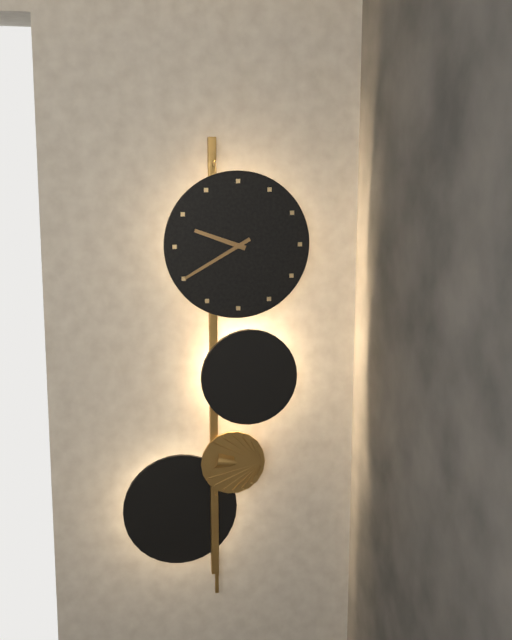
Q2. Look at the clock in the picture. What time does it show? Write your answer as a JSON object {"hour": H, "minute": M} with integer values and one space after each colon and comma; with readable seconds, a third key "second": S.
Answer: {"hour": 9, "minute": 40}
